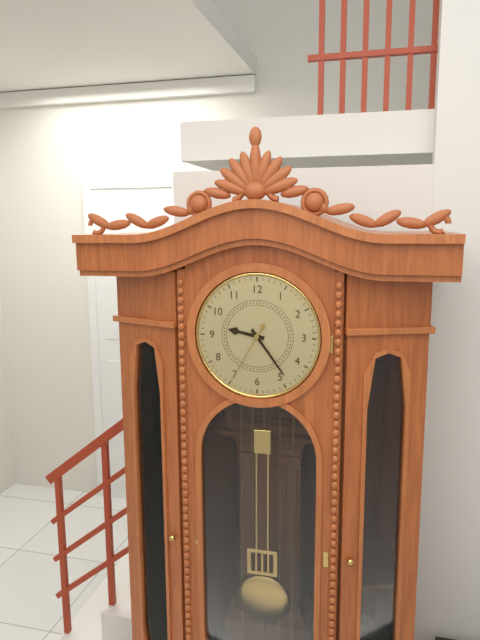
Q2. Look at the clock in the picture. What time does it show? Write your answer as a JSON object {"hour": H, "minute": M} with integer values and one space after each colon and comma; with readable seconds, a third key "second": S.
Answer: {"hour": 9, "minute": 24, "second": 35}
